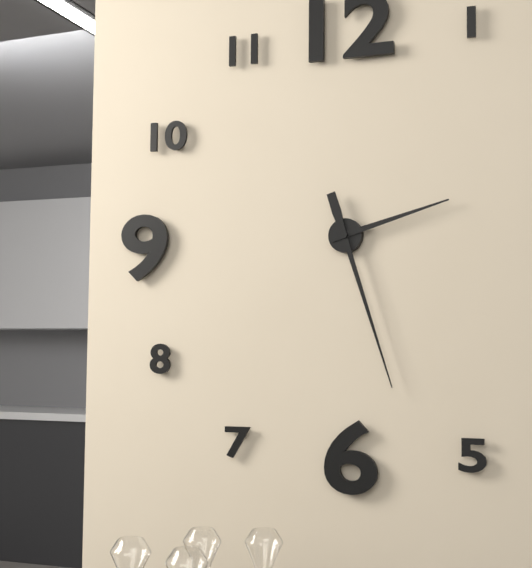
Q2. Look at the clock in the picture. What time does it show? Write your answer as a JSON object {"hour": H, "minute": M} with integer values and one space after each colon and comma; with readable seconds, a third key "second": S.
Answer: {"hour": 2, "minute": 27}
